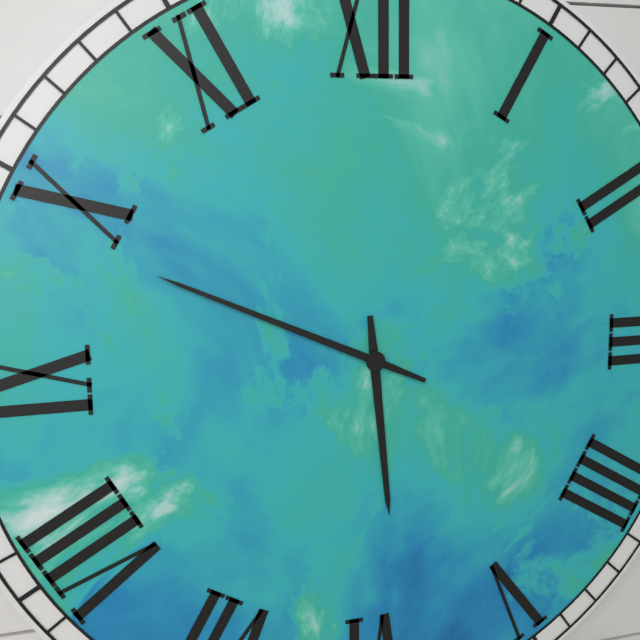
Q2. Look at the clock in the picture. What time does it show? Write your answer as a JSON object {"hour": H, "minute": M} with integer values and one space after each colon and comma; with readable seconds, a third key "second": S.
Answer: {"hour": 5, "minute": 49}
